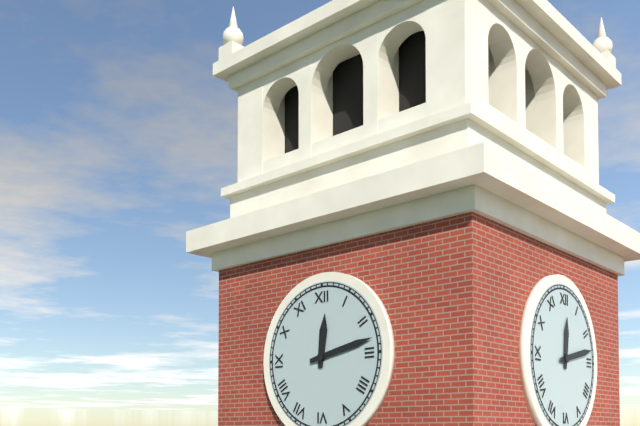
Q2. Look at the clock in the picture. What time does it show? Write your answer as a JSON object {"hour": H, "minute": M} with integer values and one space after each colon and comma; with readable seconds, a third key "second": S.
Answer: {"hour": 12, "minute": 13}
